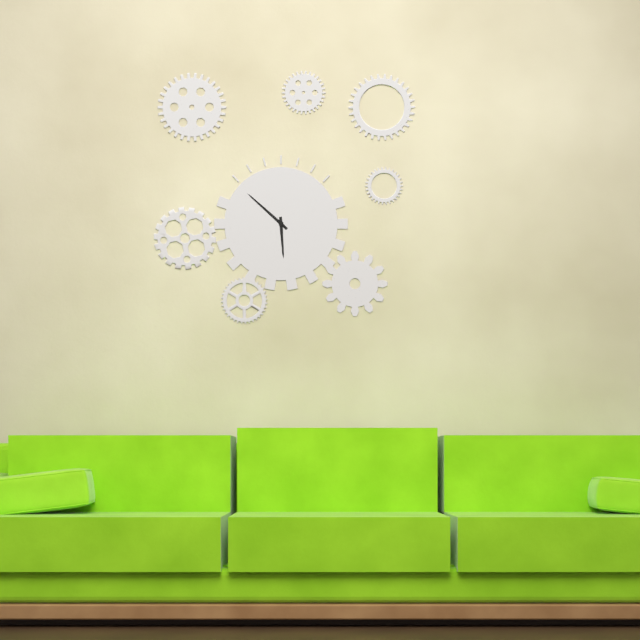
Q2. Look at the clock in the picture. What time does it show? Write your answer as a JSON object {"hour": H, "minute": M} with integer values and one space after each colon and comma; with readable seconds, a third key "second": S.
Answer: {"hour": 5, "minute": 52}
